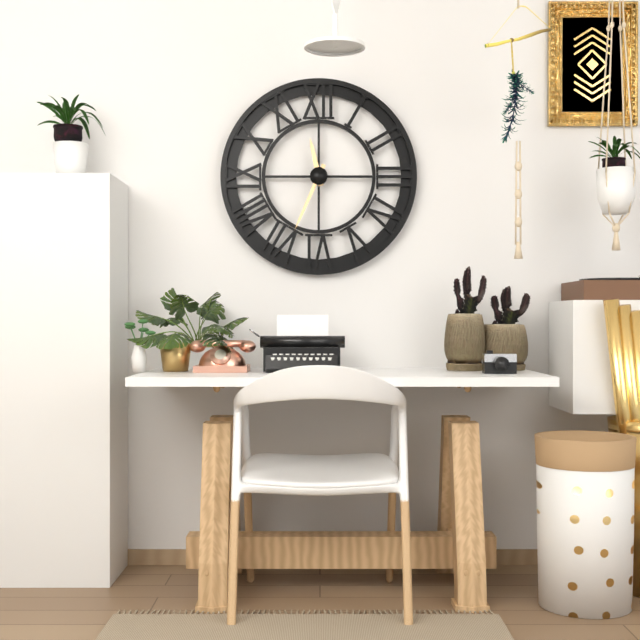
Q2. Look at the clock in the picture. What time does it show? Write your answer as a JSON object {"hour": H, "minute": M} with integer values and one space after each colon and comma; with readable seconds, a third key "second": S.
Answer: {"hour": 11, "minute": 34}
